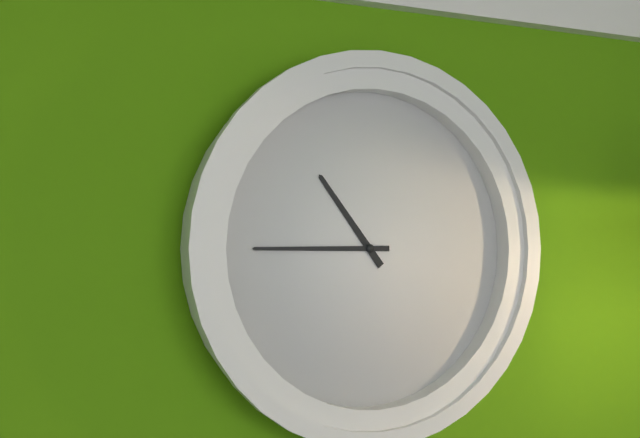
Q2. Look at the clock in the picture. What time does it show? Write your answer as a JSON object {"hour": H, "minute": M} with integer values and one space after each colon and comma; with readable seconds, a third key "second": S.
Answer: {"hour": 10, "minute": 45}
